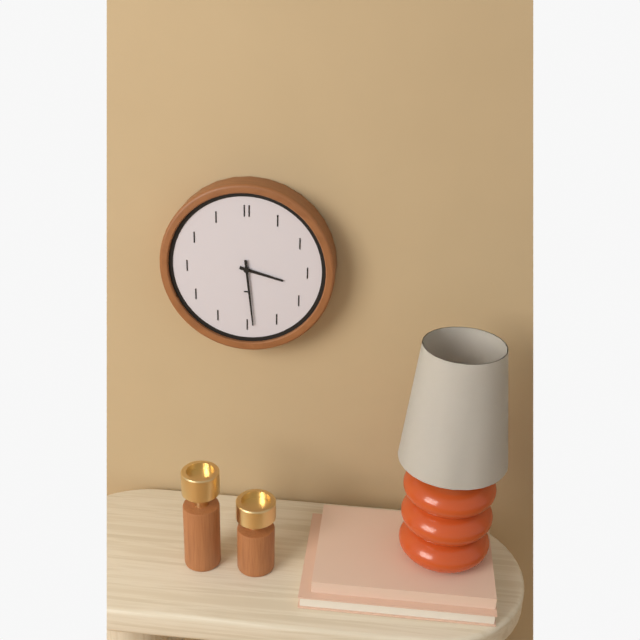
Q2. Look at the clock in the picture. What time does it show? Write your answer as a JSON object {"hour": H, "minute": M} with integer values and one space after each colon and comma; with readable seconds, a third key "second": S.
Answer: {"hour": 3, "minute": 29}
